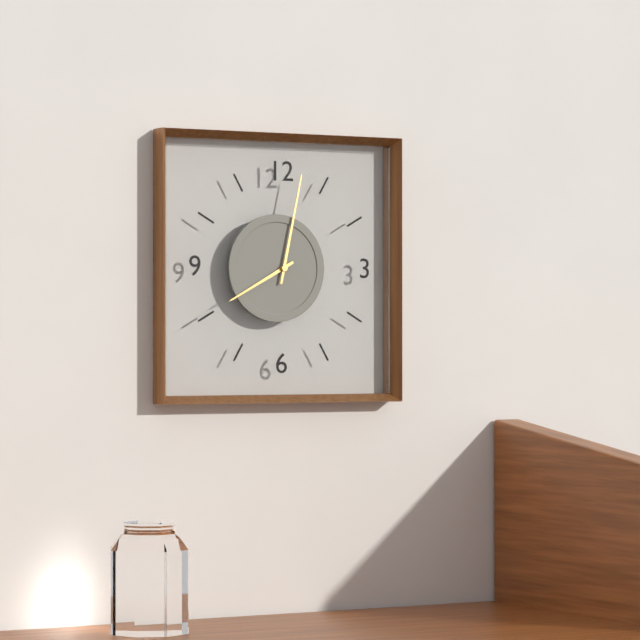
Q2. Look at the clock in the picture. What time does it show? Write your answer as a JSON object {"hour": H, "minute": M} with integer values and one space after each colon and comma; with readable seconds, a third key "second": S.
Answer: {"hour": 8, "minute": 2}
